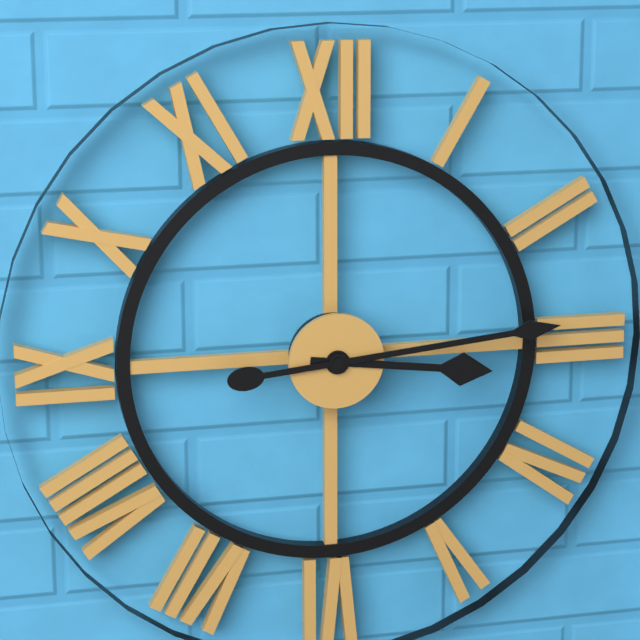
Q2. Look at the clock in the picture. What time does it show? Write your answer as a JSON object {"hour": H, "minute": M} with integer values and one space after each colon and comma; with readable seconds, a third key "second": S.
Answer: {"hour": 3, "minute": 14}
